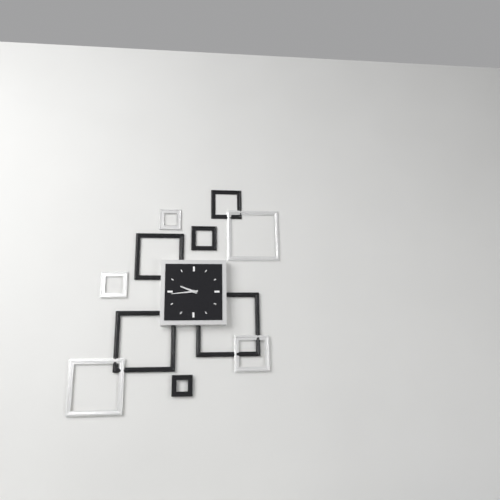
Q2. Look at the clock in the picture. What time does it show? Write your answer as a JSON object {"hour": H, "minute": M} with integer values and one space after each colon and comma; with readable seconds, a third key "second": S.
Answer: {"hour": 9, "minute": 44}
